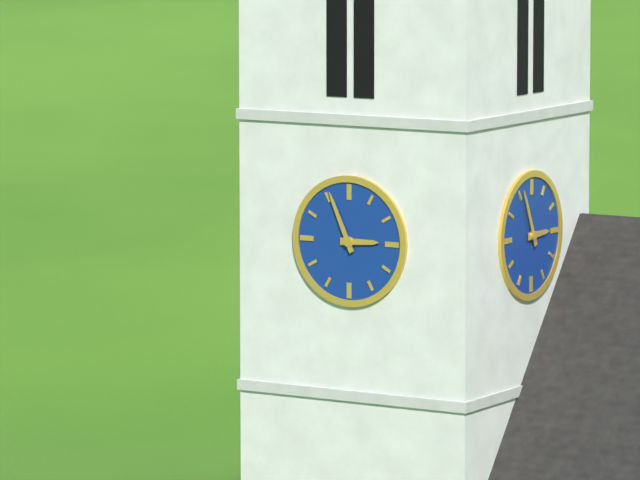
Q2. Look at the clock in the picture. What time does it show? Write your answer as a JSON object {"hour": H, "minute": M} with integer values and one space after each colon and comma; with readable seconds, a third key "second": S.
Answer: {"hour": 2, "minute": 56}
